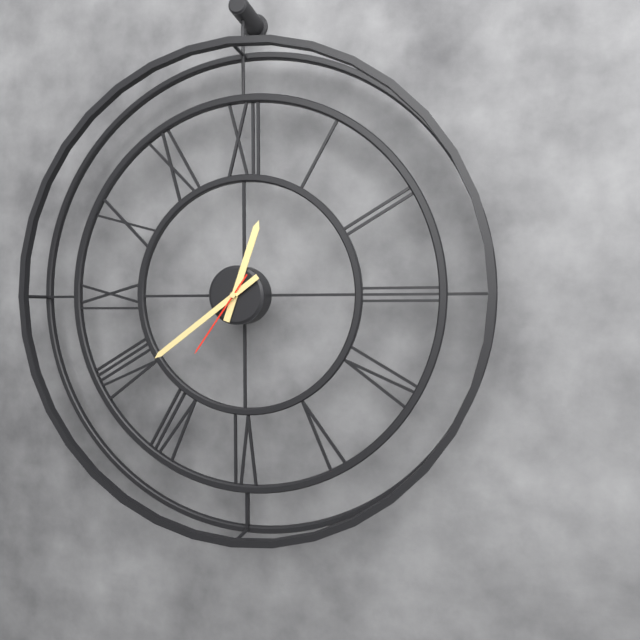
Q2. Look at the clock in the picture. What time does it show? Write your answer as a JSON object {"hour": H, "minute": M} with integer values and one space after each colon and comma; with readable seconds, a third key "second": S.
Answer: {"hour": 12, "minute": 39, "second": 36}
